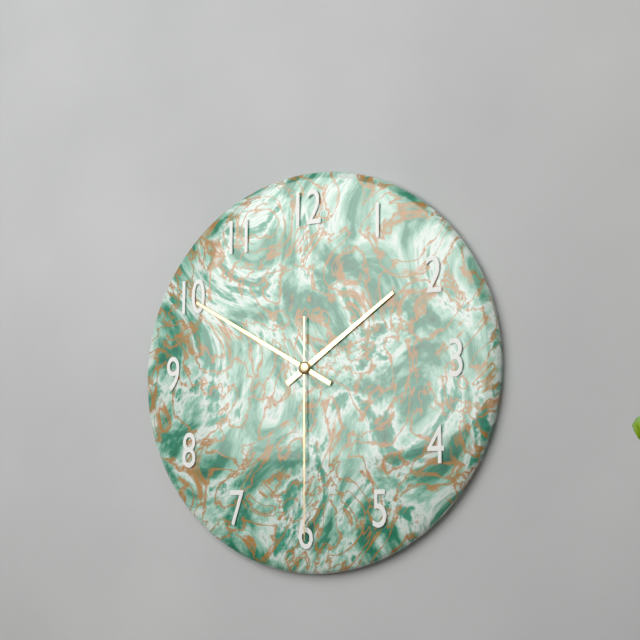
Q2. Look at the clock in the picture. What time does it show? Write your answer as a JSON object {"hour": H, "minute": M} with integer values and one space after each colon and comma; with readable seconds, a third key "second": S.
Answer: {"hour": 1, "minute": 50, "second": 30}
